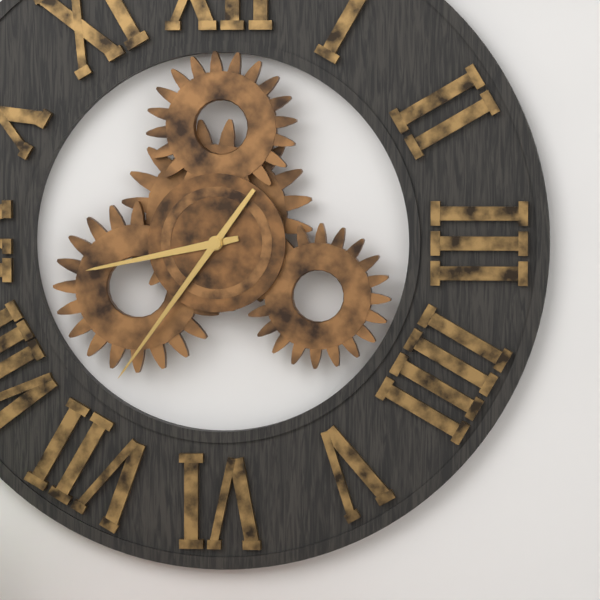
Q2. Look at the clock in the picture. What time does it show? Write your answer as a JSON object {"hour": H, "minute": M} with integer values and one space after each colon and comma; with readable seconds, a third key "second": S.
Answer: {"hour": 8, "minute": 36}
